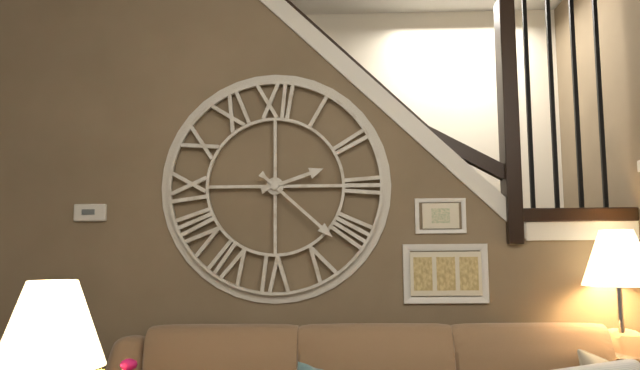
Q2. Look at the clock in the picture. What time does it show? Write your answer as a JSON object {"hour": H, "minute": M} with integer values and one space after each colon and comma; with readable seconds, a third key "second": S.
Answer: {"hour": 2, "minute": 22}
